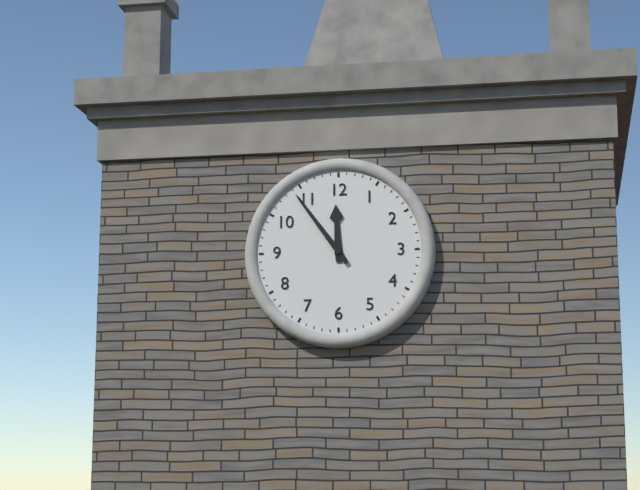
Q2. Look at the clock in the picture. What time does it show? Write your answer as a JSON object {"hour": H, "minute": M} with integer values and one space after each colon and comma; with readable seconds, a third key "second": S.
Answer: {"hour": 11, "minute": 54}
